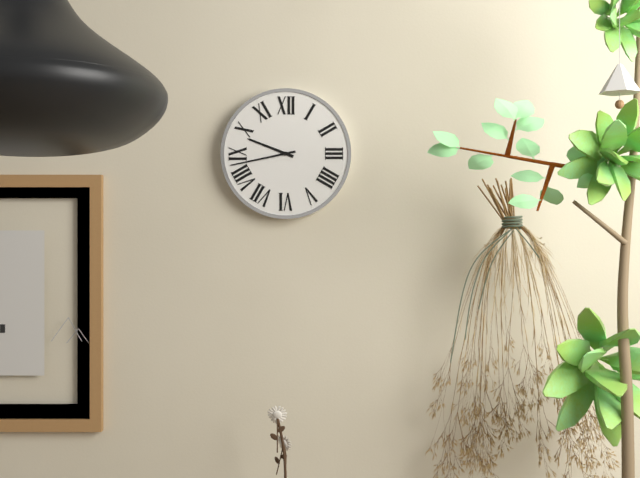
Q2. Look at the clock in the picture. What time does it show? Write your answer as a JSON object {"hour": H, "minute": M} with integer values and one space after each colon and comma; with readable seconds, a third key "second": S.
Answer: {"hour": 9, "minute": 43}
